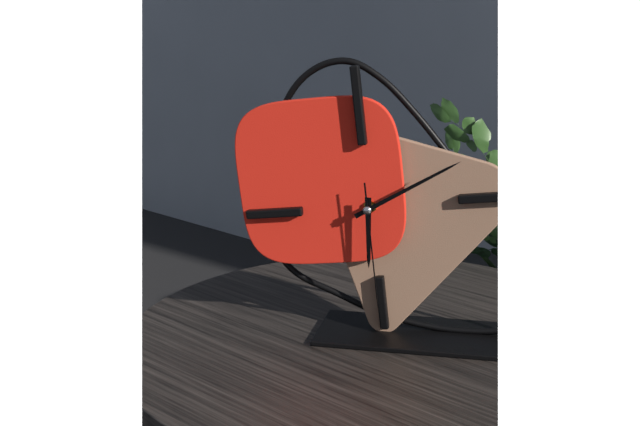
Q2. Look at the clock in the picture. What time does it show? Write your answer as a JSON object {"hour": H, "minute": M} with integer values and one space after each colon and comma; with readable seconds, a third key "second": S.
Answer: {"hour": 6, "minute": 11, "second": 30}
